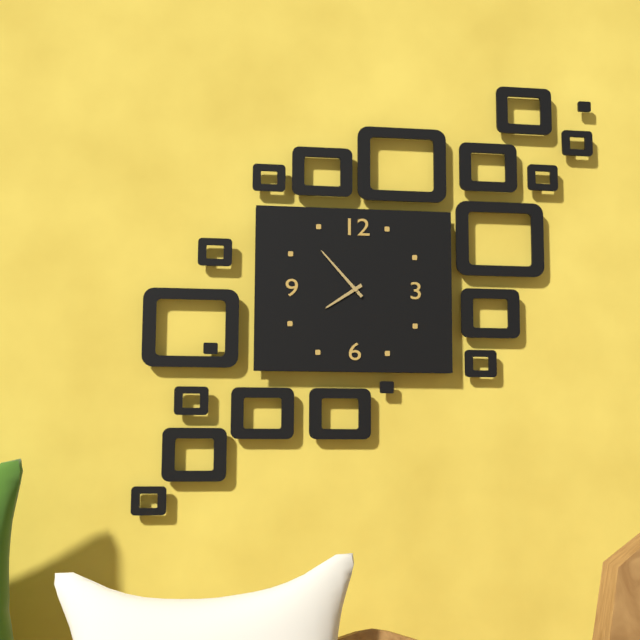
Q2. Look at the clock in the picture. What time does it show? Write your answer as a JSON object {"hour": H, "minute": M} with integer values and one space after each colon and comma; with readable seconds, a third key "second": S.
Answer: {"hour": 7, "minute": 53}
